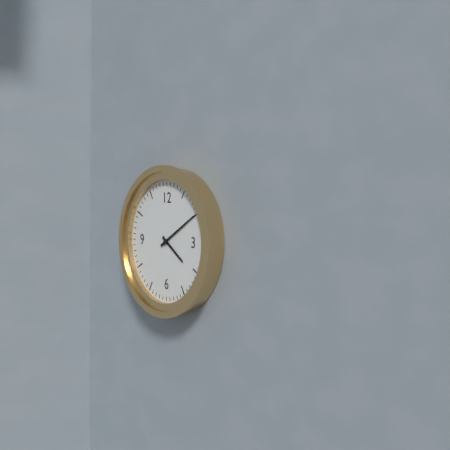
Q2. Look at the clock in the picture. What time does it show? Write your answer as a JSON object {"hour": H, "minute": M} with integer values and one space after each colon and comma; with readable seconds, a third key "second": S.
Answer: {"hour": 4, "minute": 10}
